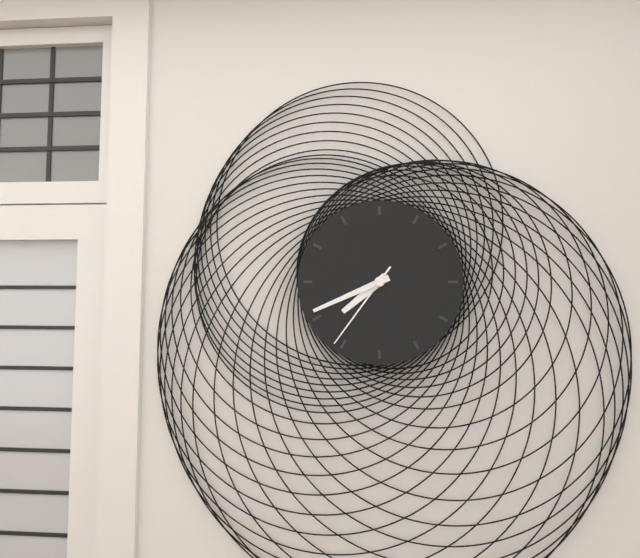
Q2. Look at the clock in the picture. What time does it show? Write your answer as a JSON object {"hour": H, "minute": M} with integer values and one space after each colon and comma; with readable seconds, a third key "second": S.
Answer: {"hour": 7, "minute": 41, "second": 36}
